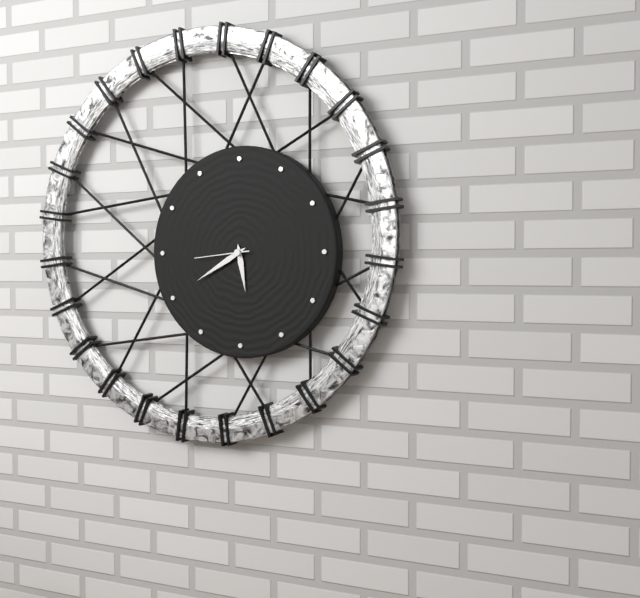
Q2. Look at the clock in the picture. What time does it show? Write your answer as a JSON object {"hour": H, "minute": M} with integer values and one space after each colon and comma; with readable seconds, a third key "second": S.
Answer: {"hour": 5, "minute": 40, "second": 44}
